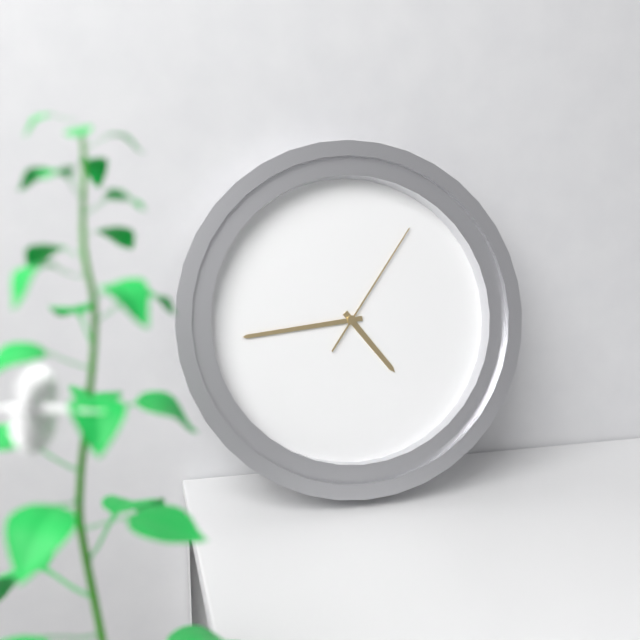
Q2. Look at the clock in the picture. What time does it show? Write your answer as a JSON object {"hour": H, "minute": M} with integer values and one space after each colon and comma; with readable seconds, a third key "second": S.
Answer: {"hour": 4, "minute": 44, "second": 6}
